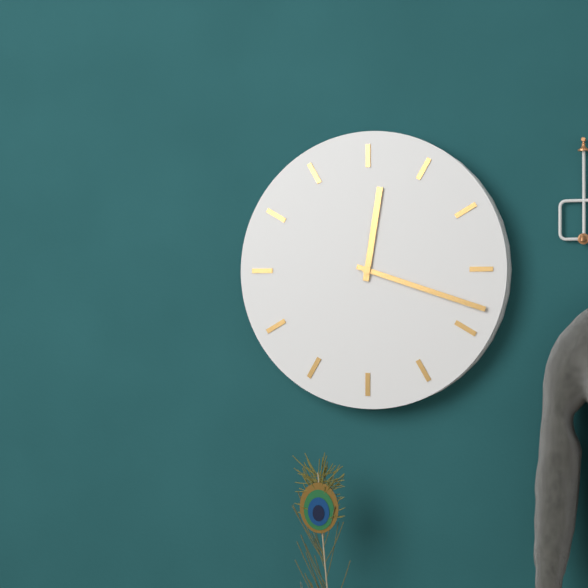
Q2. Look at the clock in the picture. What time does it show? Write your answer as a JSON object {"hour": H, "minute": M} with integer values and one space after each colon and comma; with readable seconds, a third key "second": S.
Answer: {"hour": 12, "minute": 18}
